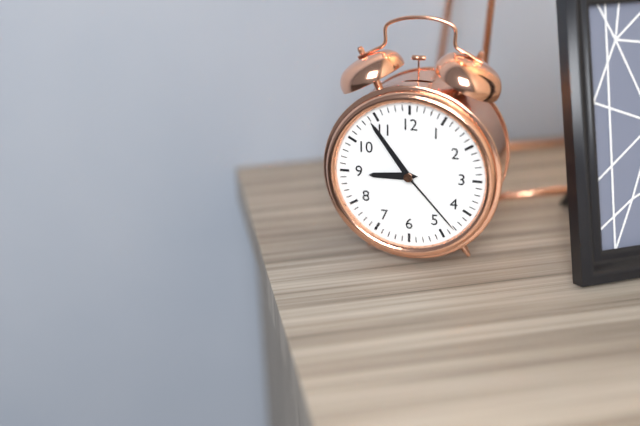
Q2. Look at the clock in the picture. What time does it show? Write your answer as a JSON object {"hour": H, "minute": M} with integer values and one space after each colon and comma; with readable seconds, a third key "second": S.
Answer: {"hour": 8, "minute": 54, "second": 23}
